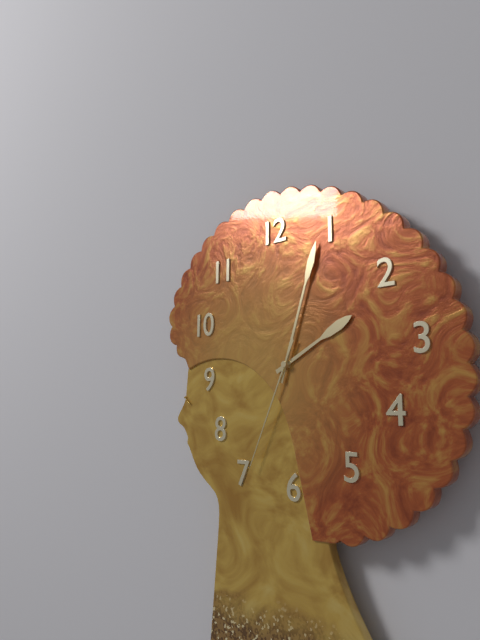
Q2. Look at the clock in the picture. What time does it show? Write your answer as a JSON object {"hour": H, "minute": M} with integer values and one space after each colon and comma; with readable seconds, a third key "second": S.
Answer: {"hour": 2, "minute": 3, "second": 34}
